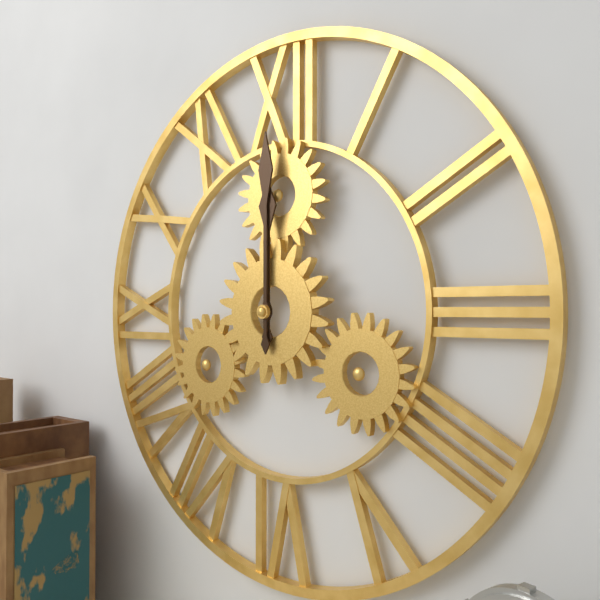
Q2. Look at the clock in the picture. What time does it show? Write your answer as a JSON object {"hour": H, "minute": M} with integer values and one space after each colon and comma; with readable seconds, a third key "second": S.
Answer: {"hour": 12, "minute": 0}
